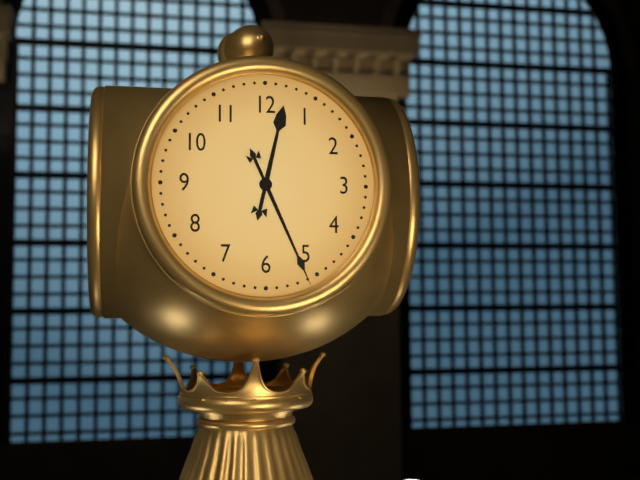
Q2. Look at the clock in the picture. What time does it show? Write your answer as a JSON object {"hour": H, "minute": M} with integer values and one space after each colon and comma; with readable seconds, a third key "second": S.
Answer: {"hour": 12, "minute": 26}
